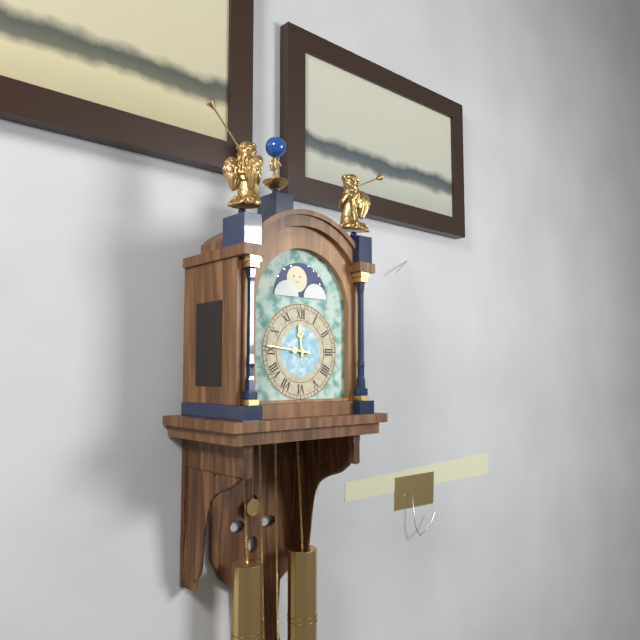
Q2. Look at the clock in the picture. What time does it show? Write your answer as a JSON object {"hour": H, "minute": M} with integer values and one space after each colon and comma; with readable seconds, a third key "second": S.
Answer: {"hour": 11, "minute": 46}
